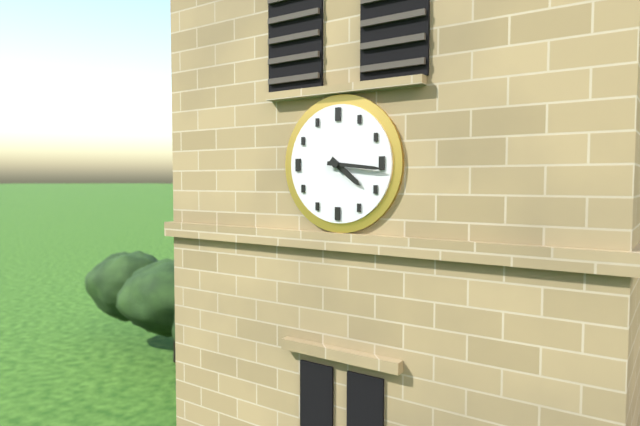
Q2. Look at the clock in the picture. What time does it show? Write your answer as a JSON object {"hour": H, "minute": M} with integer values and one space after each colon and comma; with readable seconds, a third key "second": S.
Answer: {"hour": 4, "minute": 16}
